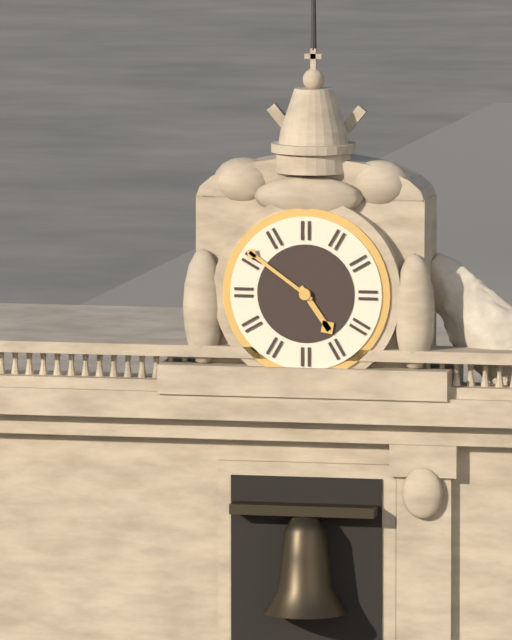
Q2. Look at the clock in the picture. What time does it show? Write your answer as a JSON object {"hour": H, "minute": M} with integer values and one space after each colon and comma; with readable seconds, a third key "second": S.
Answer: {"hour": 4, "minute": 51}
